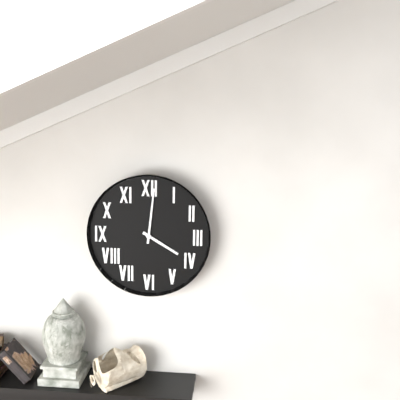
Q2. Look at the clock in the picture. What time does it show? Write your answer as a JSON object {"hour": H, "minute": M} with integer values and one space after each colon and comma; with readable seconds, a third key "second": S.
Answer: {"hour": 4, "minute": 1}
